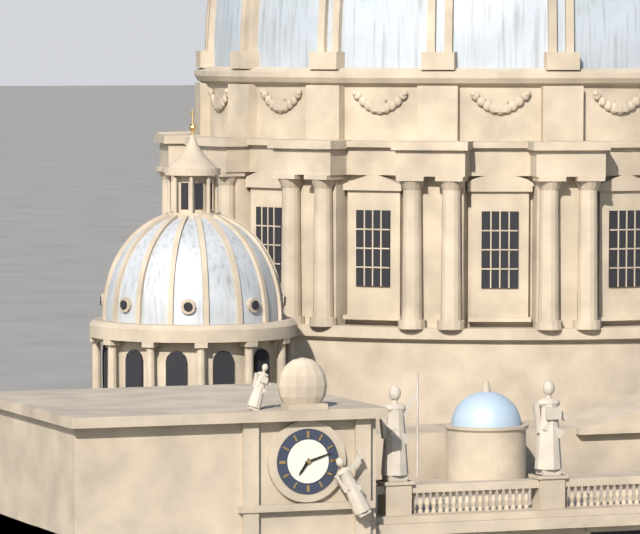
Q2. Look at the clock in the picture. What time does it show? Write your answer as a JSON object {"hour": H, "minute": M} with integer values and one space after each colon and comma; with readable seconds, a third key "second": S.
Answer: {"hour": 7, "minute": 12}
